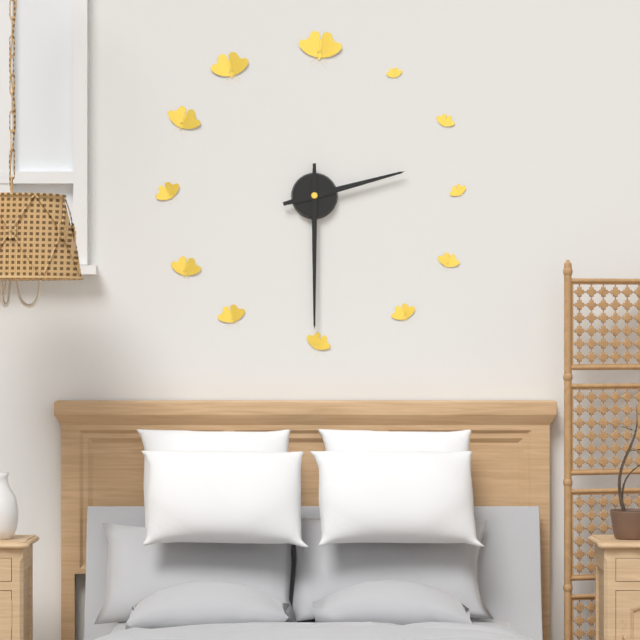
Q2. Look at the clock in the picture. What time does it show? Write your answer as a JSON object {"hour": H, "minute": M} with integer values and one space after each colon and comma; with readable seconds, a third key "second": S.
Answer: {"hour": 2, "minute": 30}
